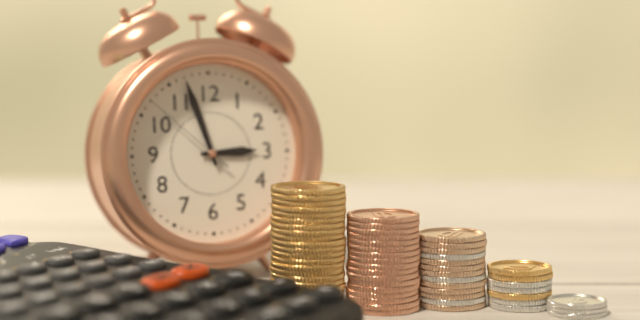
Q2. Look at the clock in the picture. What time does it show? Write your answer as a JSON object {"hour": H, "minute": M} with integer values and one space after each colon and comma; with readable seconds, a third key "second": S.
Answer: {"hour": 2, "minute": 57, "second": 52}
